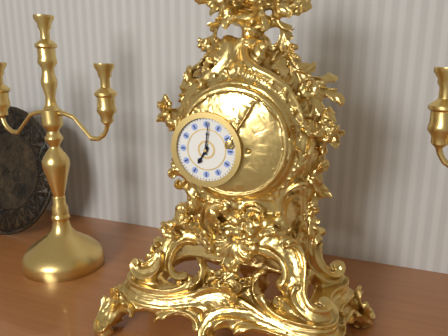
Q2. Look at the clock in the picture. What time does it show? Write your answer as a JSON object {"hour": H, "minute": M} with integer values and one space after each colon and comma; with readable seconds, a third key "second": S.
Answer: {"hour": 7, "minute": 1}
